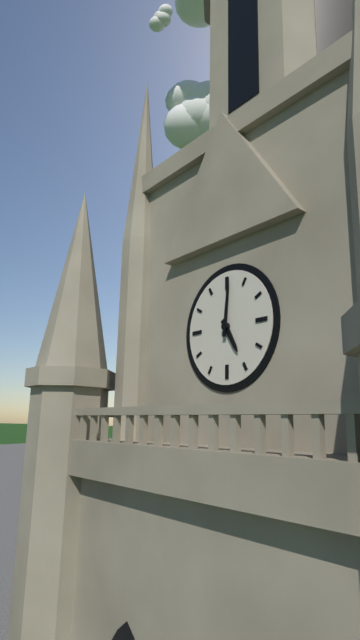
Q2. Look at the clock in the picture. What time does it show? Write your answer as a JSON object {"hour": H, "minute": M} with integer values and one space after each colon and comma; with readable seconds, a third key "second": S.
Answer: {"hour": 5, "minute": 1}
